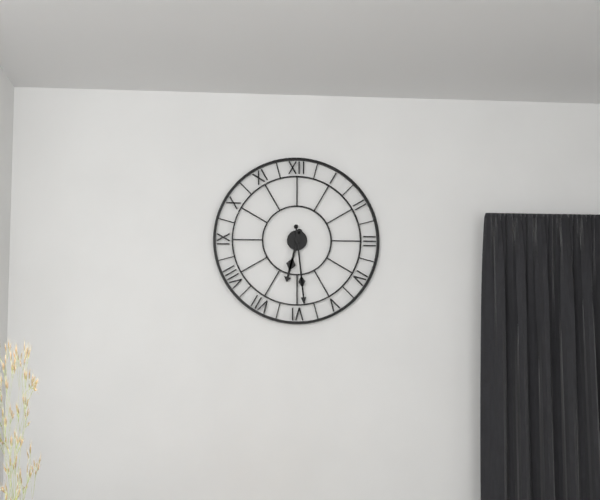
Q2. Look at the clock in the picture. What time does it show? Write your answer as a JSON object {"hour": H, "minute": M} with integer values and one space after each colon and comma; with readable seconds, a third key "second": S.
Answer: {"hour": 6, "minute": 29}
